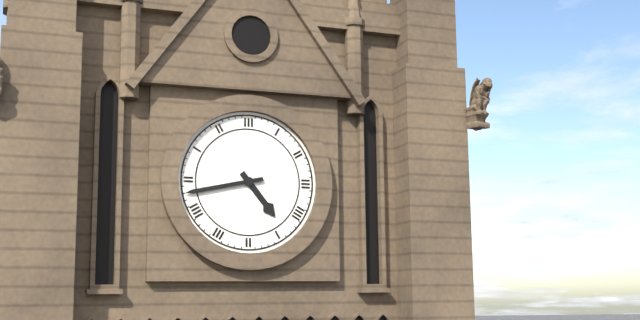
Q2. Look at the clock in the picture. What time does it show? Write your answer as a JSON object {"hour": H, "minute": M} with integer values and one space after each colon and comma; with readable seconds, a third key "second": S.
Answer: {"hour": 4, "minute": 43}
